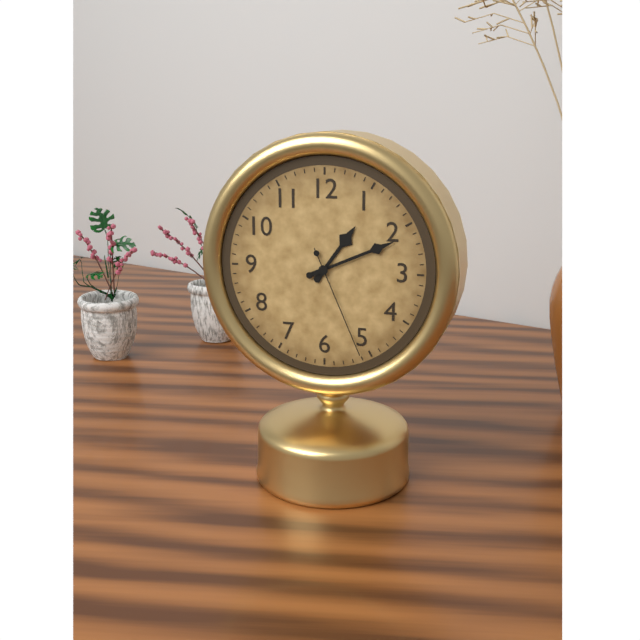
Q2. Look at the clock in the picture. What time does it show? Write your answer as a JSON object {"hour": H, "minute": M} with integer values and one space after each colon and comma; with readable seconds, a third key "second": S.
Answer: {"hour": 1, "minute": 11, "second": 26}
